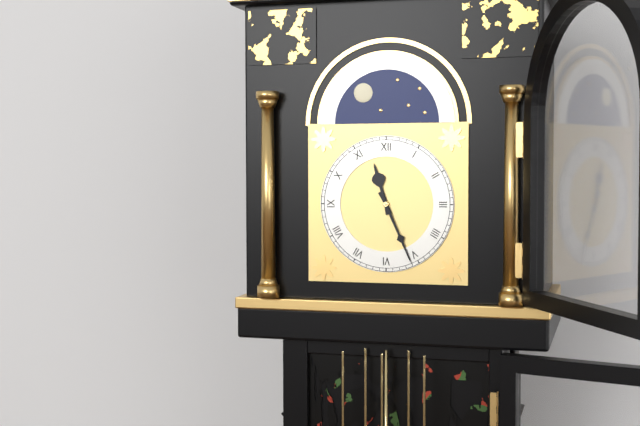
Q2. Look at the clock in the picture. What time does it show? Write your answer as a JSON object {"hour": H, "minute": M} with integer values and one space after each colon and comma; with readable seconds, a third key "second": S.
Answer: {"hour": 11, "minute": 26}
